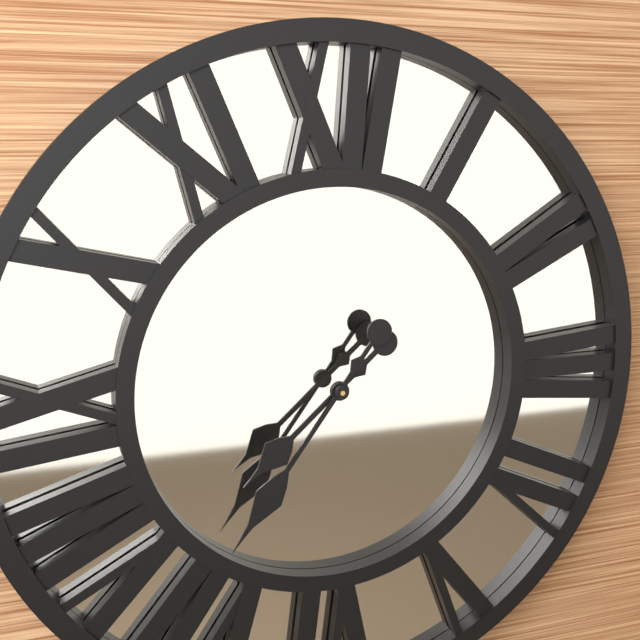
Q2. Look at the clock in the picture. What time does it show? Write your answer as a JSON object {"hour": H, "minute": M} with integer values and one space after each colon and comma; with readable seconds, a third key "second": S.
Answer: {"hour": 7, "minute": 36}
